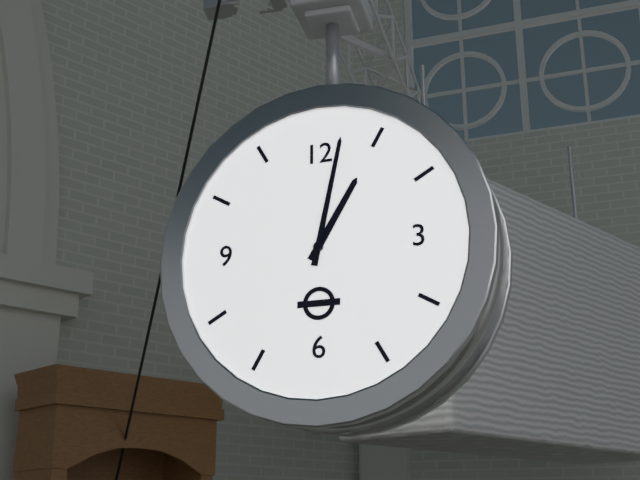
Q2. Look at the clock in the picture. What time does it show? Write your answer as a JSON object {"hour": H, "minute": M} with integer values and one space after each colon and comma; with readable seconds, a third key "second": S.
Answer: {"hour": 1, "minute": 2}
